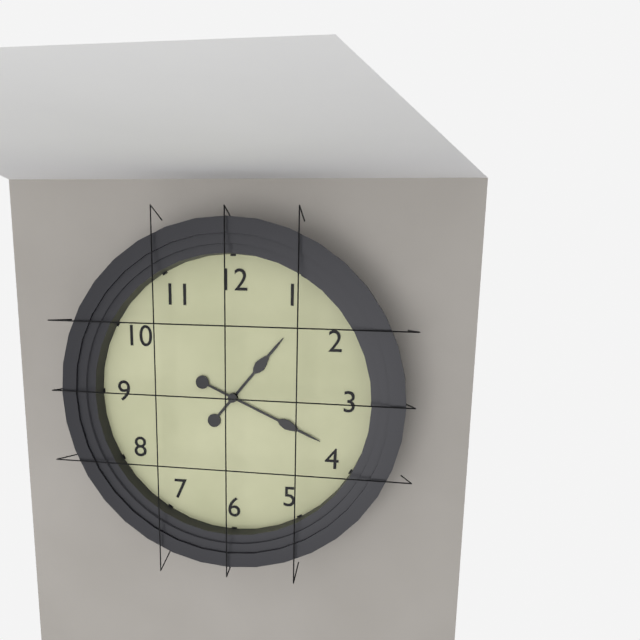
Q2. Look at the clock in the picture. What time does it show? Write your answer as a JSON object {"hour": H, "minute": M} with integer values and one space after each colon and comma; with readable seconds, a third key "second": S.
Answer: {"hour": 1, "minute": 19}
